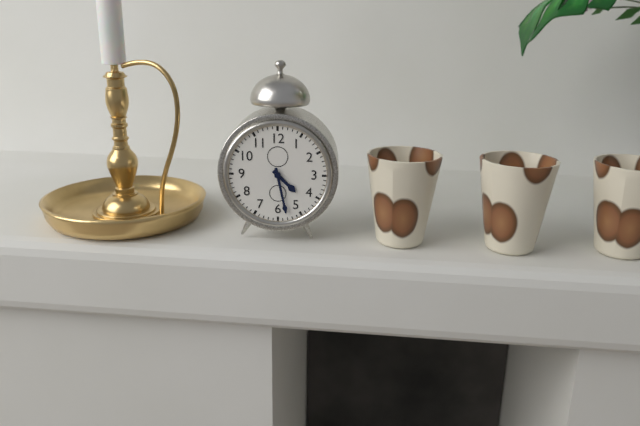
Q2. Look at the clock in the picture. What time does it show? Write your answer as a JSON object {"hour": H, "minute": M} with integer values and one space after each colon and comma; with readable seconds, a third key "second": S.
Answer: {"hour": 4, "minute": 28}
